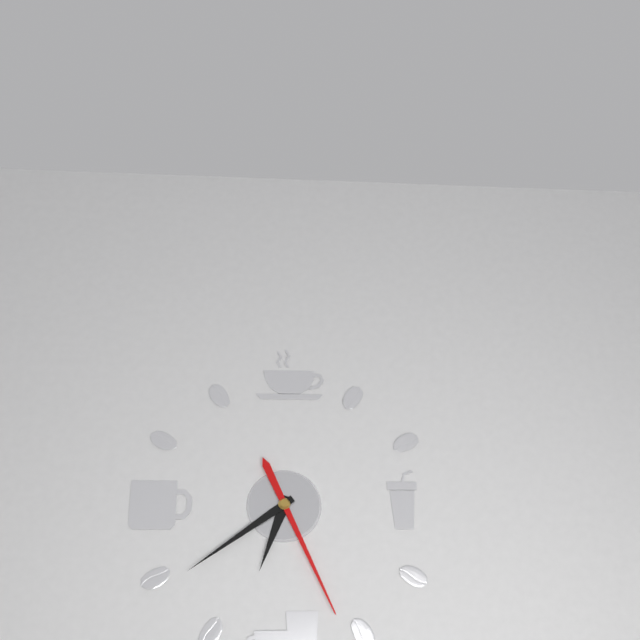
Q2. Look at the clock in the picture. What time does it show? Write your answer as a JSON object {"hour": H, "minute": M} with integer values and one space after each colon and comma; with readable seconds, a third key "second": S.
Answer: {"hour": 6, "minute": 39, "second": 26}
